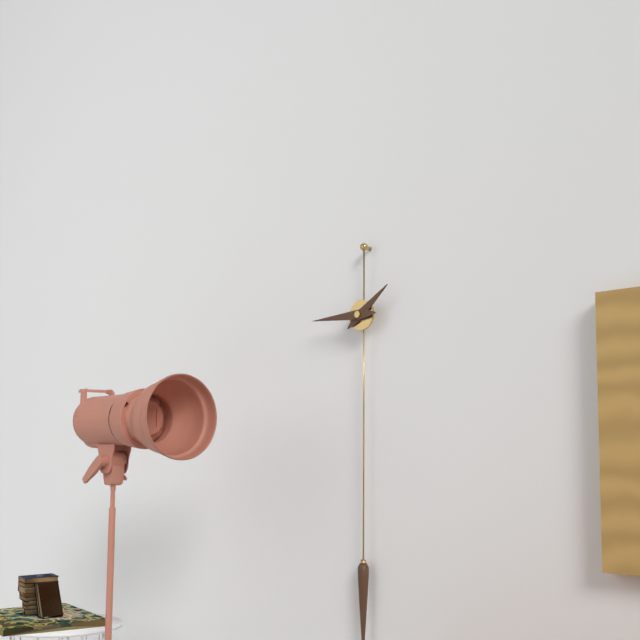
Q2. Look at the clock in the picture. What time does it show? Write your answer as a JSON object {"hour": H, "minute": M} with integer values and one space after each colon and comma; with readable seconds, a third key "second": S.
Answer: {"hour": 1, "minute": 45}
